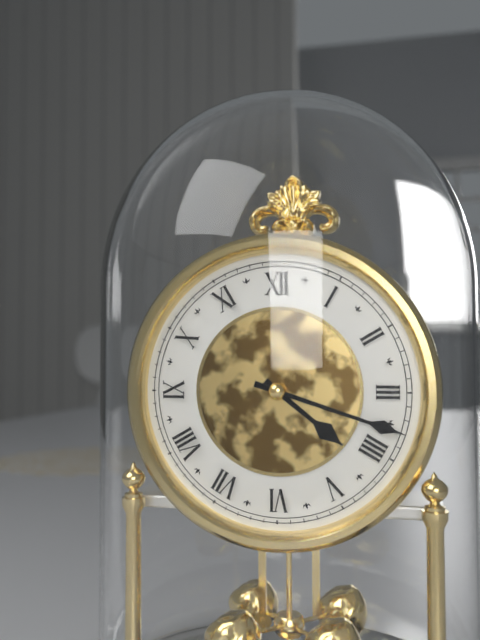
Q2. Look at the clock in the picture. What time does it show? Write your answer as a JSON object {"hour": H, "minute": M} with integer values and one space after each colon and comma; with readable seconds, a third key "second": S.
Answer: {"hour": 4, "minute": 18}
